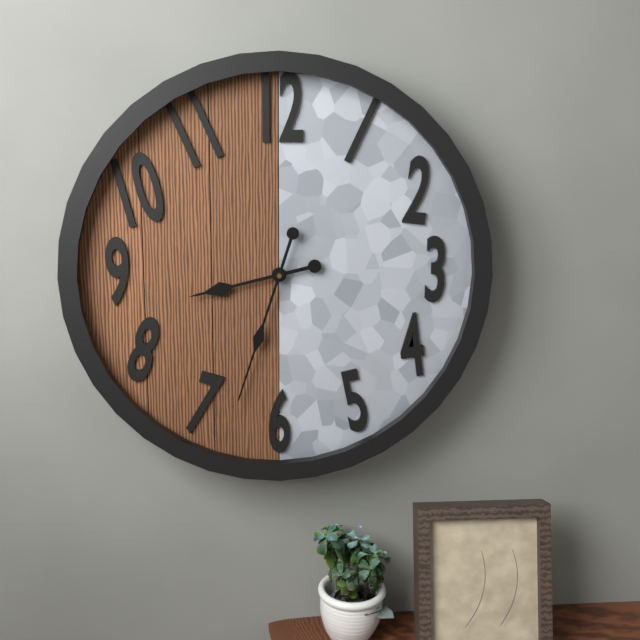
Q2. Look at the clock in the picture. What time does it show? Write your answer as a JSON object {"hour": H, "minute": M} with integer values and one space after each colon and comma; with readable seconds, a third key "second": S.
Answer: {"hour": 8, "minute": 33}
